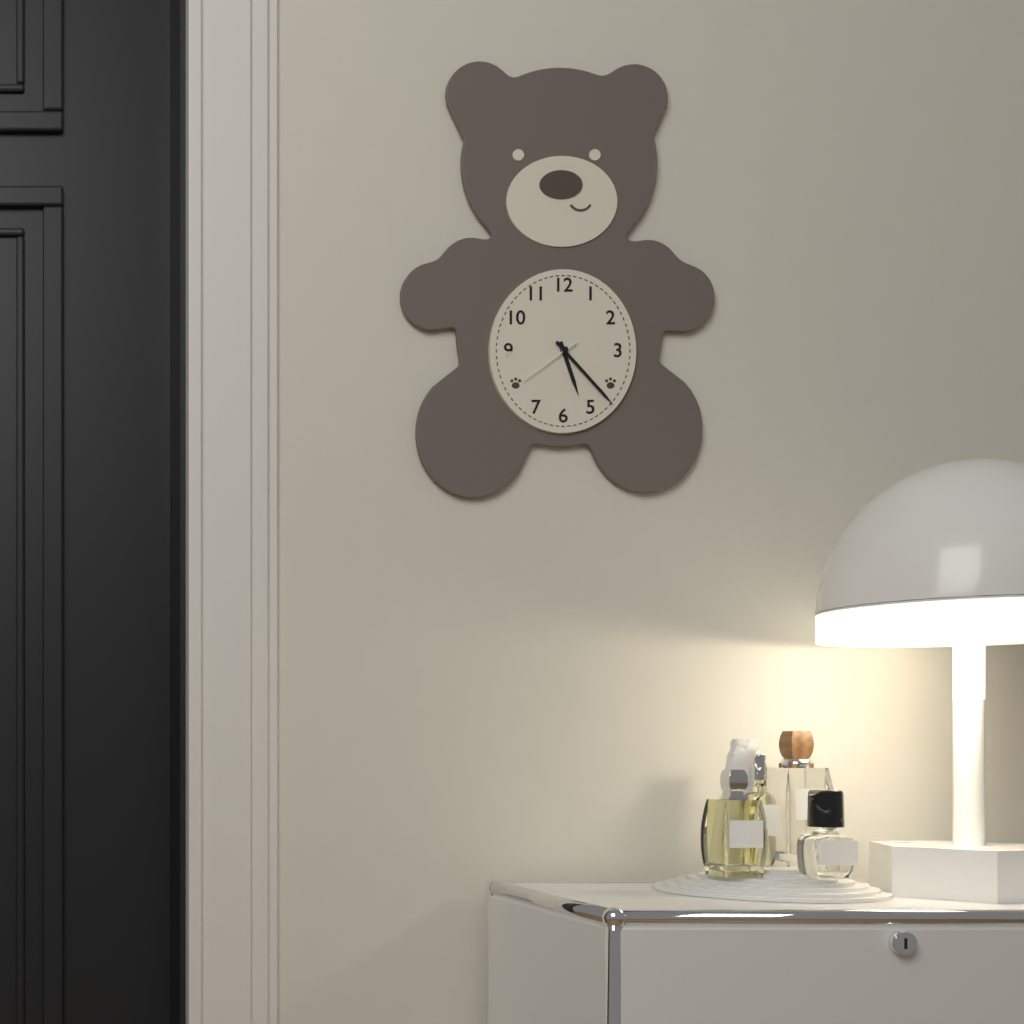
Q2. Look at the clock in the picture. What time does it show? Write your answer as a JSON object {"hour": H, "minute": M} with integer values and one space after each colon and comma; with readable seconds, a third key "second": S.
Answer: {"hour": 5, "minute": 23, "second": 39}
